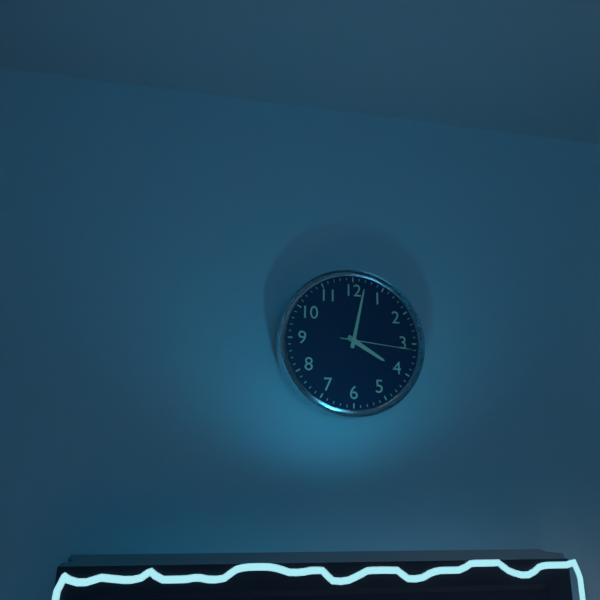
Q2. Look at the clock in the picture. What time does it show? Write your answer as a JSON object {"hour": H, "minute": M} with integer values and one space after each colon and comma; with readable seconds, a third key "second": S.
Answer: {"hour": 4, "minute": 2, "second": 16}
